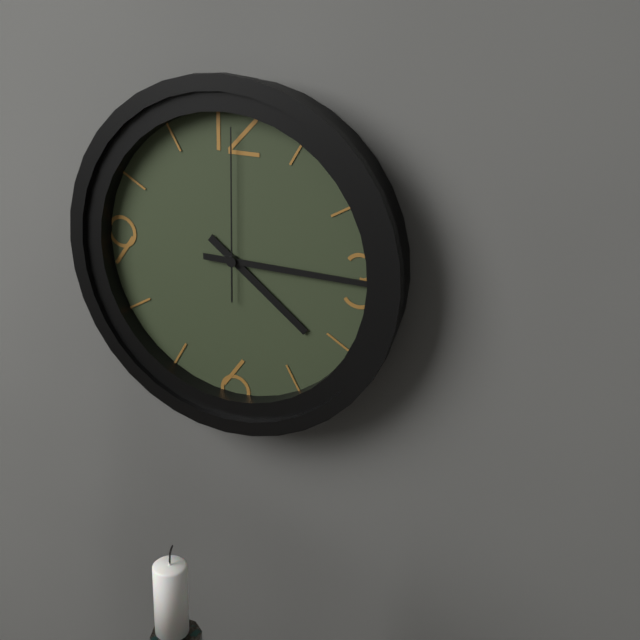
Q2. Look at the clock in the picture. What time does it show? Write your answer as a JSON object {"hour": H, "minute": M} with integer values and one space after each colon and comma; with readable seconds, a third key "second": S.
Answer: {"hour": 4, "minute": 15, "second": 0}
